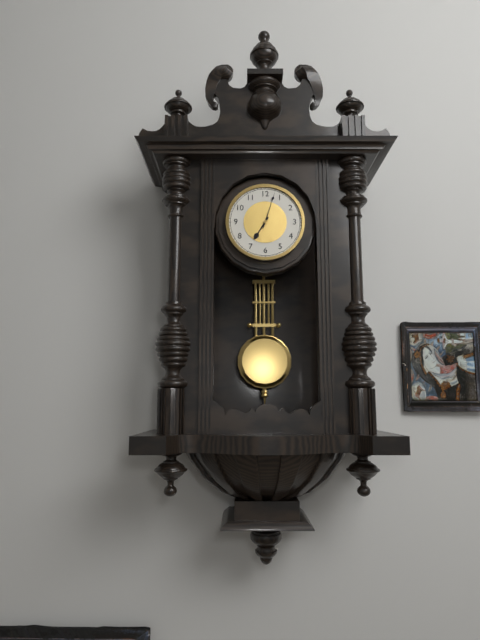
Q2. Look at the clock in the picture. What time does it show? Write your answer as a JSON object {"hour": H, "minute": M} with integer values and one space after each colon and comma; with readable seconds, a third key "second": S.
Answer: {"hour": 7, "minute": 3}
